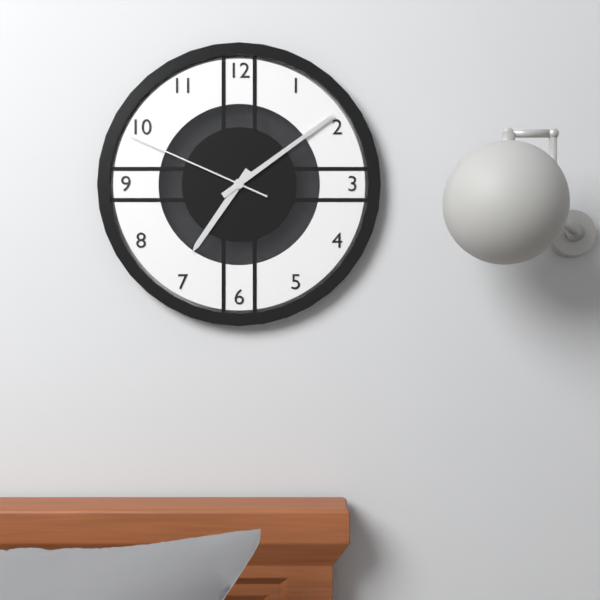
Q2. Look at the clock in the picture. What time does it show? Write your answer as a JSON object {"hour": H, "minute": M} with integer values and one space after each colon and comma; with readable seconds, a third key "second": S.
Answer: {"hour": 7, "minute": 9, "second": 49}
